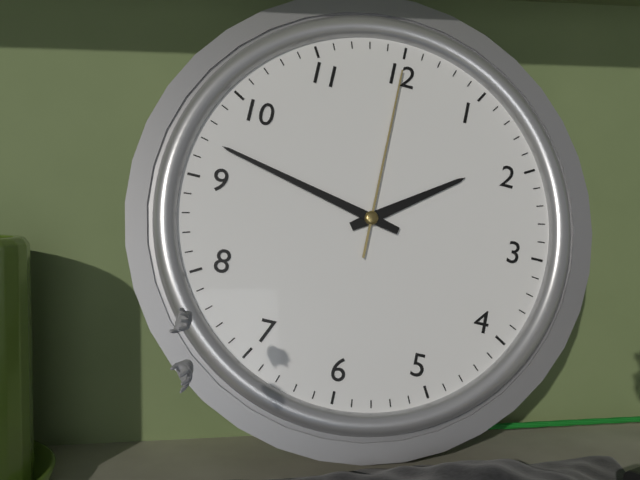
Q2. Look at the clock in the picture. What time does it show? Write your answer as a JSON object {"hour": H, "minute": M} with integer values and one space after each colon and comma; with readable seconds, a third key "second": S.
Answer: {"hour": 1, "minute": 47, "second": 0}
